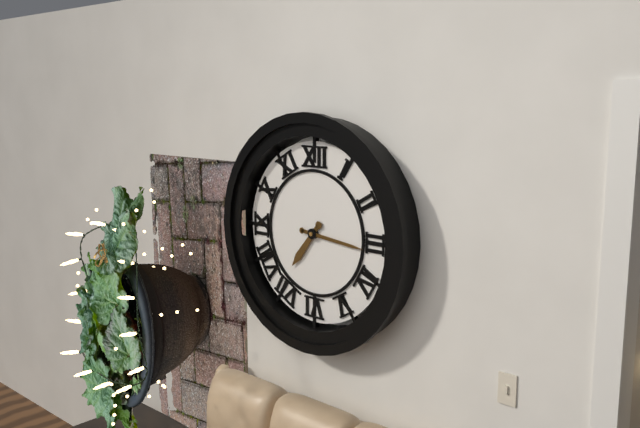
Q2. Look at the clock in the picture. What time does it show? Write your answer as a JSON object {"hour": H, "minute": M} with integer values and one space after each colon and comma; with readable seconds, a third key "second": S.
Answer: {"hour": 7, "minute": 16}
